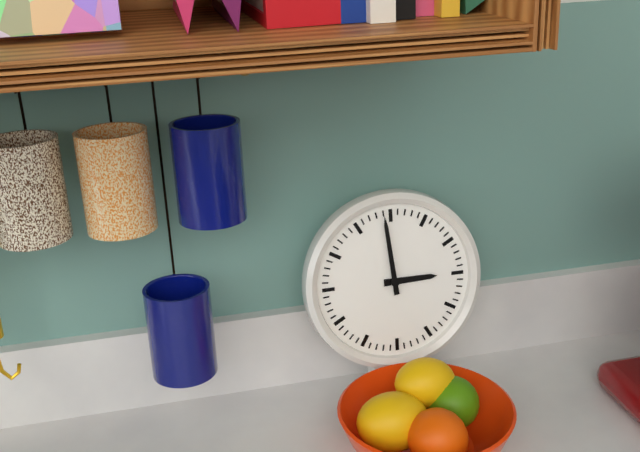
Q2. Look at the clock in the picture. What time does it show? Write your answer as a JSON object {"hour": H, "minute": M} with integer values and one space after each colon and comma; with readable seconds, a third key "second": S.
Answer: {"hour": 2, "minute": 59}
